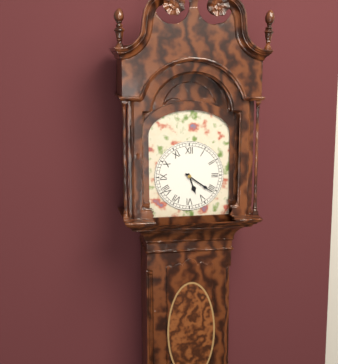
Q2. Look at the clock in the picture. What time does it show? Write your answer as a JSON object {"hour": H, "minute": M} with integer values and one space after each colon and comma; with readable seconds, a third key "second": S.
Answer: {"hour": 5, "minute": 21}
